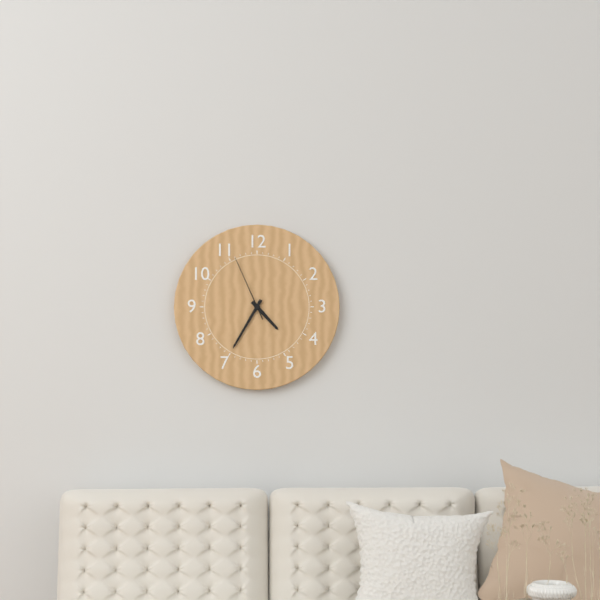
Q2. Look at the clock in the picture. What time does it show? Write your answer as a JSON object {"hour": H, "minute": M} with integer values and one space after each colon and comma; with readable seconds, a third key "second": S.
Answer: {"hour": 4, "minute": 35, "second": 56}
